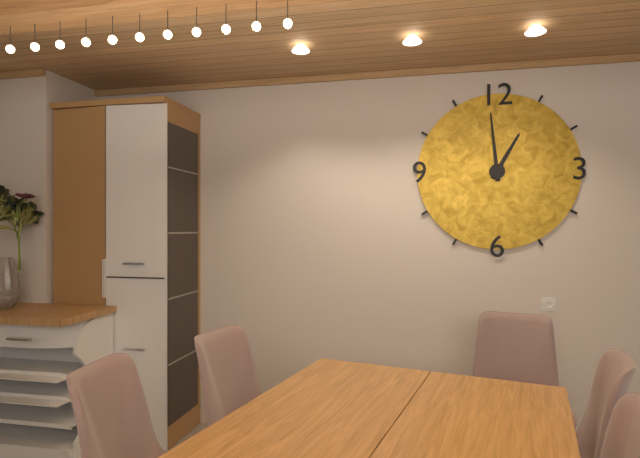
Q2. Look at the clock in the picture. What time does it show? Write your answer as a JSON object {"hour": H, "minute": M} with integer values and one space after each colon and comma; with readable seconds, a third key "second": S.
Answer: {"hour": 12, "minute": 59}
